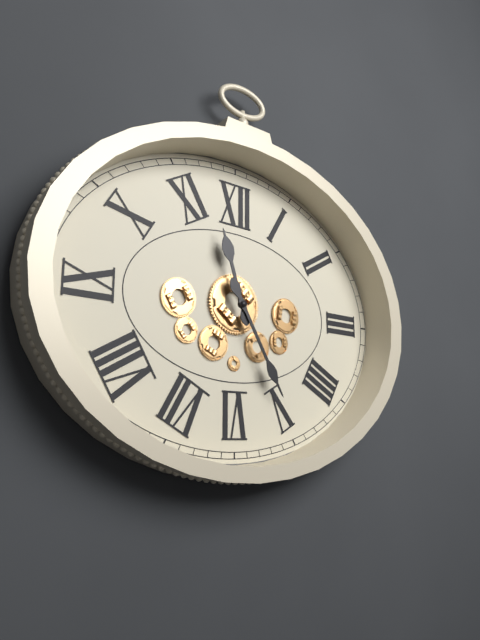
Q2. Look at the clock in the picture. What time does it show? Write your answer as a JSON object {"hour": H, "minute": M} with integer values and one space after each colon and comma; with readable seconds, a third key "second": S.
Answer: {"hour": 11, "minute": 25}
